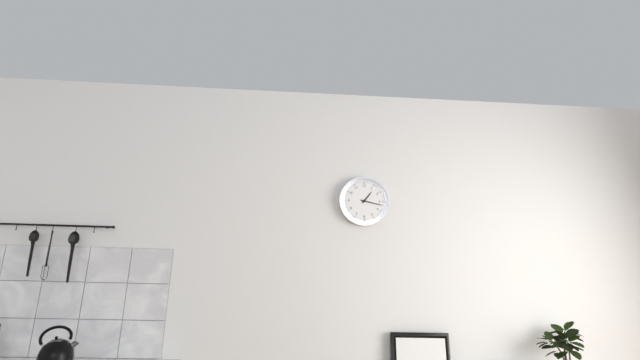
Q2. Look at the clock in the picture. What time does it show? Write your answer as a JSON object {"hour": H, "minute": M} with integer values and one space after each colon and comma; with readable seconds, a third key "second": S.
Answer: {"hour": 1, "minute": 17}
